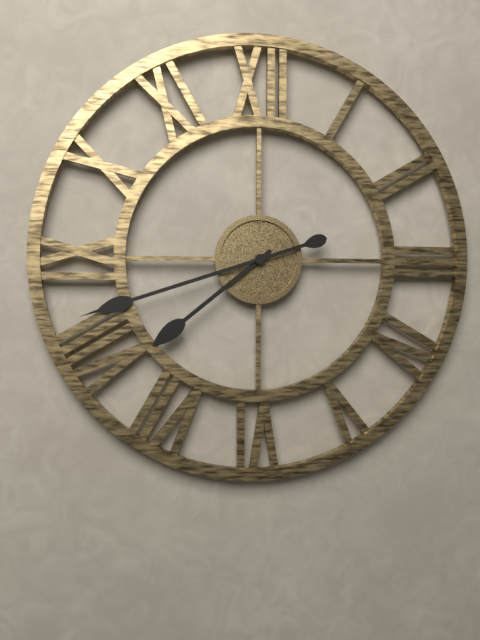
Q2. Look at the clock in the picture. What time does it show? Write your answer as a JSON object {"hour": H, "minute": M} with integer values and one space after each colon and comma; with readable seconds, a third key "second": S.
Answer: {"hour": 7, "minute": 42}
